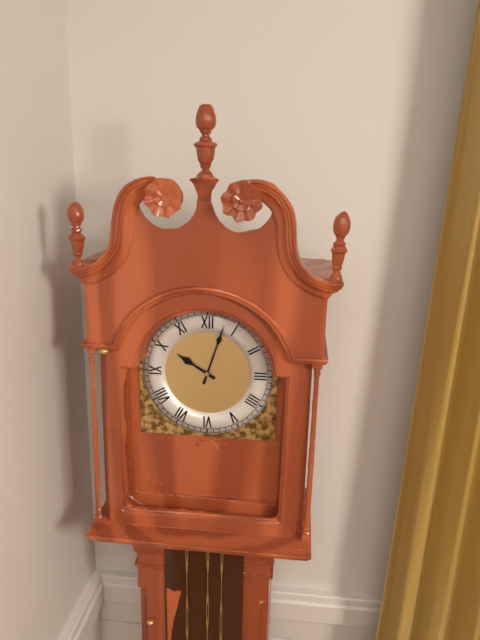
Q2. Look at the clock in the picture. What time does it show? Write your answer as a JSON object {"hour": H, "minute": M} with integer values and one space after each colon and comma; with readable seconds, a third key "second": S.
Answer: {"hour": 10, "minute": 3}
